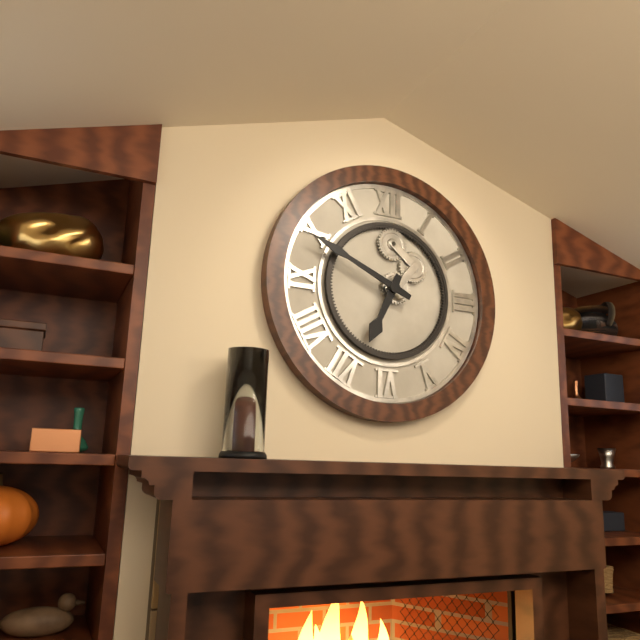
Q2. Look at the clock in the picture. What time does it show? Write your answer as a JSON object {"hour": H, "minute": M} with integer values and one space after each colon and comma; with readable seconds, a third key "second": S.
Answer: {"hour": 6, "minute": 49}
